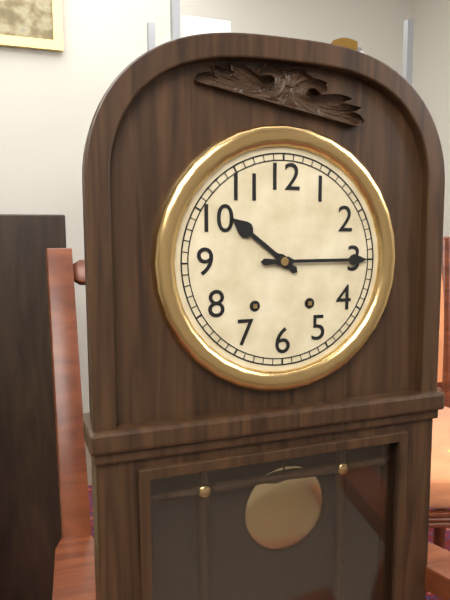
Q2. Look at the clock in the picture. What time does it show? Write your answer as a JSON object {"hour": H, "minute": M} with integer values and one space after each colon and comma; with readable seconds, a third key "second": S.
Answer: {"hour": 10, "minute": 15}
